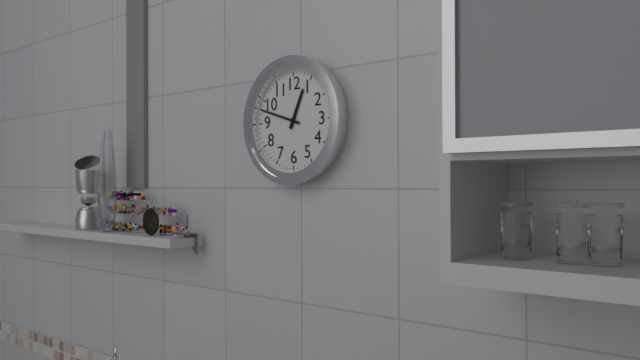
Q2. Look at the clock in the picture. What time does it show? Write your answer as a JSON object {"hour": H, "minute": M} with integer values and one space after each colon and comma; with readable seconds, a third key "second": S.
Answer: {"hour": 12, "minute": 48}
